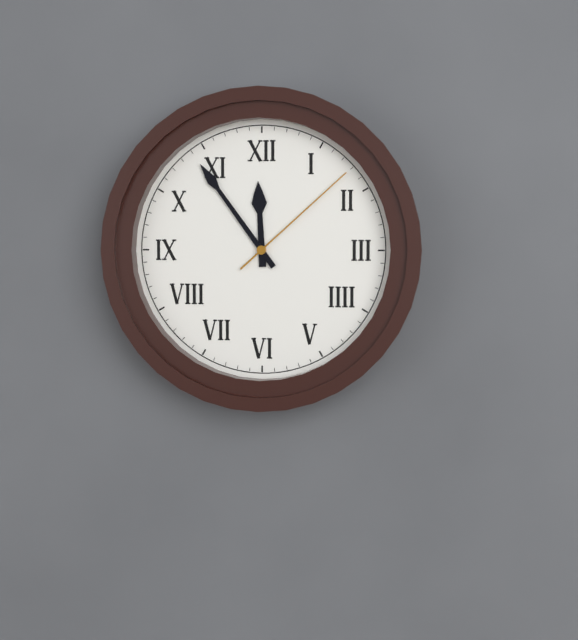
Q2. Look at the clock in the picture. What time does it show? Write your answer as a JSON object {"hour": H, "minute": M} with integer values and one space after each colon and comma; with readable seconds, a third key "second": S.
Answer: {"hour": 11, "minute": 54, "second": 8}
